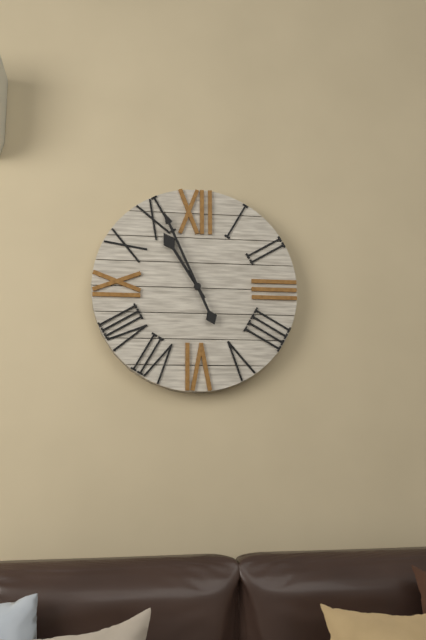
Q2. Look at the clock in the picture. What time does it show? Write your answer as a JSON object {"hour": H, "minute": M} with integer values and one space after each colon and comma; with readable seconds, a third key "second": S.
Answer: {"hour": 10, "minute": 56}
